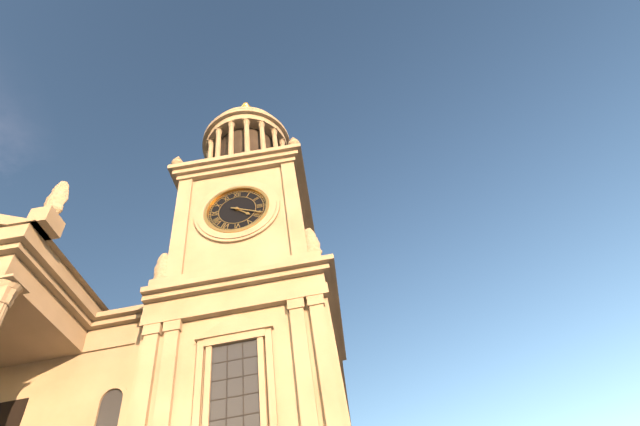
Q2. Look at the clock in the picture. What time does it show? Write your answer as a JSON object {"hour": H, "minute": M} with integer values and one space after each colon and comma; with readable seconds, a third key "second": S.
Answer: {"hour": 4, "minute": 19}
